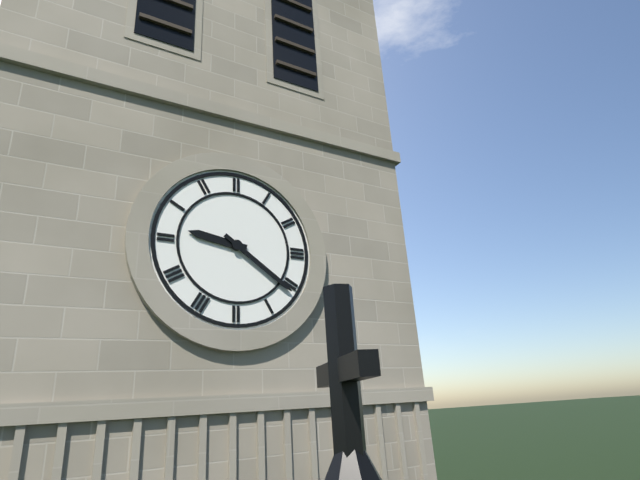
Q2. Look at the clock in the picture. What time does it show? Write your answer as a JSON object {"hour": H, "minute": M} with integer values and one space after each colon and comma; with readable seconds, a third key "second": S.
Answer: {"hour": 9, "minute": 21}
